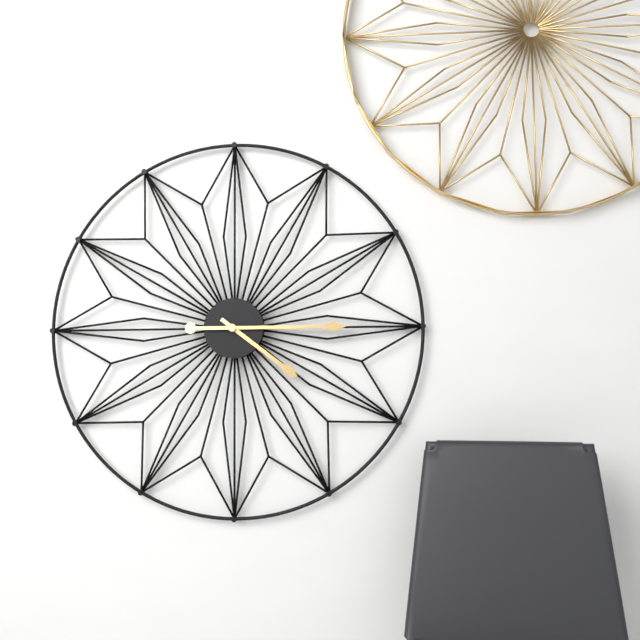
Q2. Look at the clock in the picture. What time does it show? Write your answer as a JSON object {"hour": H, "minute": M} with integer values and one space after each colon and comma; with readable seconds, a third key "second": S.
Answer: {"hour": 4, "minute": 15}
